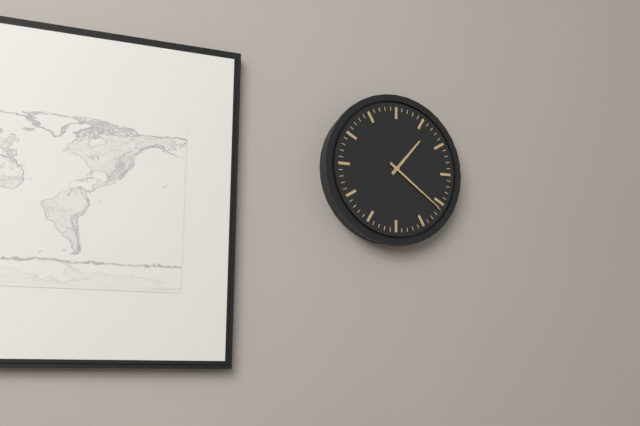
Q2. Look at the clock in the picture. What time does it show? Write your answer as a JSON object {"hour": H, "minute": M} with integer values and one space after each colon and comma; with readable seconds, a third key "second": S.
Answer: {"hour": 1, "minute": 21}
